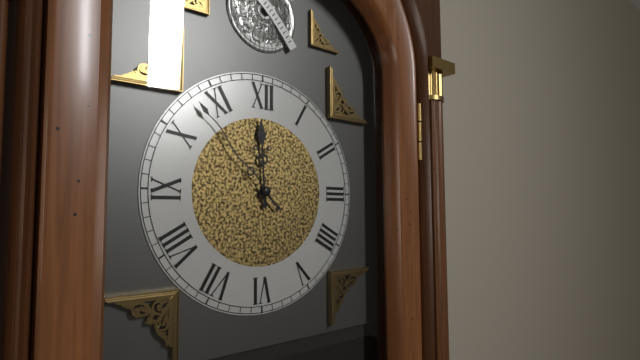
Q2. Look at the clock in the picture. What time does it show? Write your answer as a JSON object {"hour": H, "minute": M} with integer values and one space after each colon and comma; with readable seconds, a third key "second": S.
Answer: {"hour": 11, "minute": 53}
